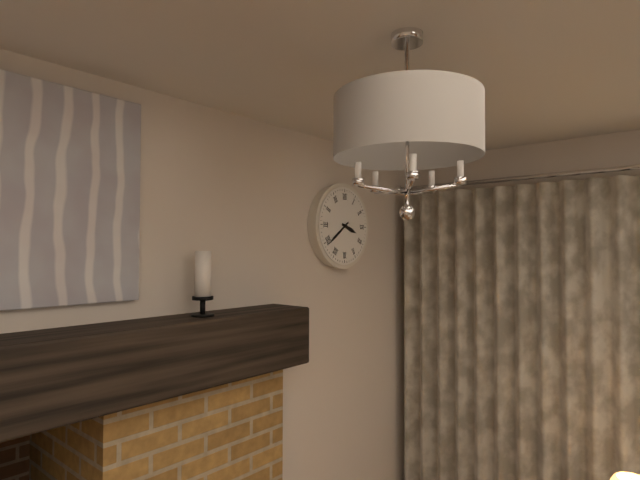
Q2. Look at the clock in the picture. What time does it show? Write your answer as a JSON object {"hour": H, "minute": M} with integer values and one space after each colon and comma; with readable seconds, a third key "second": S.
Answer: {"hour": 3, "minute": 39}
